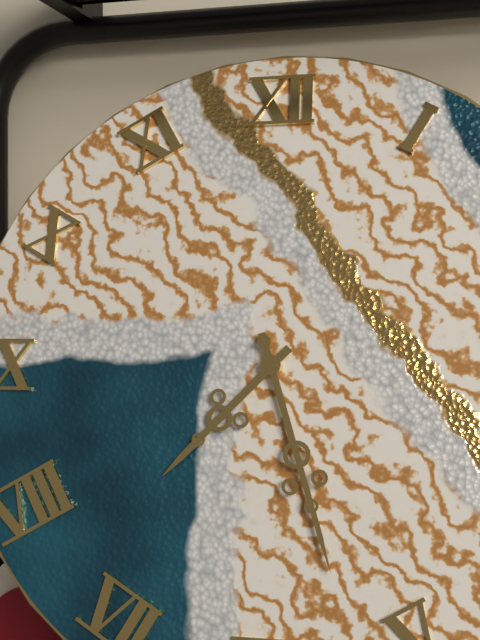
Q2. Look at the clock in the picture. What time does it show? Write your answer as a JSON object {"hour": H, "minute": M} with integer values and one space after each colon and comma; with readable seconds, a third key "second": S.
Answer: {"hour": 7, "minute": 27}
